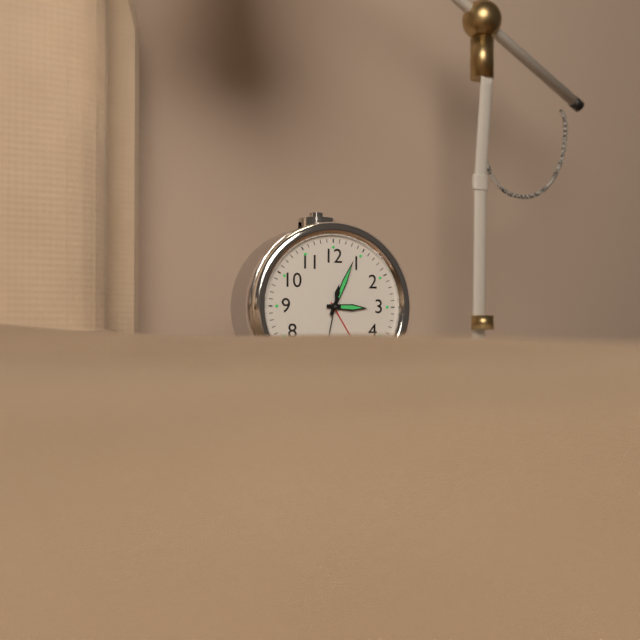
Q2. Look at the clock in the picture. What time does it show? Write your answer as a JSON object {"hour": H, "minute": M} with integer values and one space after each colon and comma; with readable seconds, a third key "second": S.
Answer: {"hour": 3, "minute": 4}
